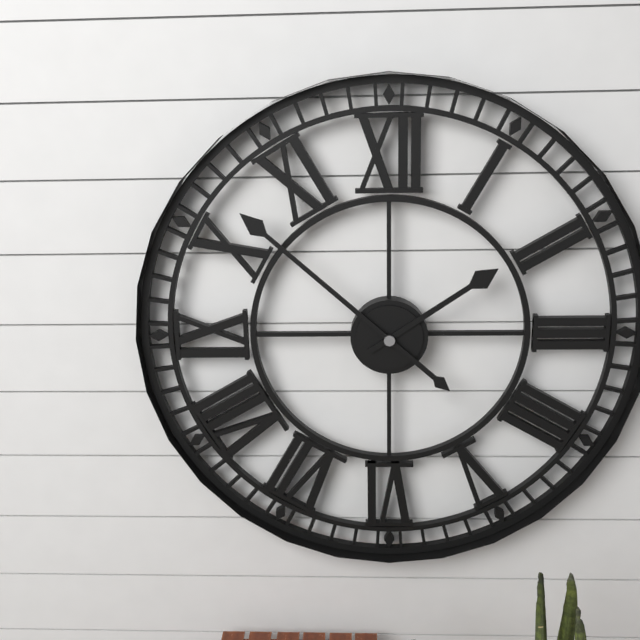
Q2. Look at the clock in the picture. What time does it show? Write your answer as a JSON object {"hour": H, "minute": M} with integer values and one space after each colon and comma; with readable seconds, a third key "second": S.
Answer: {"hour": 1, "minute": 52}
